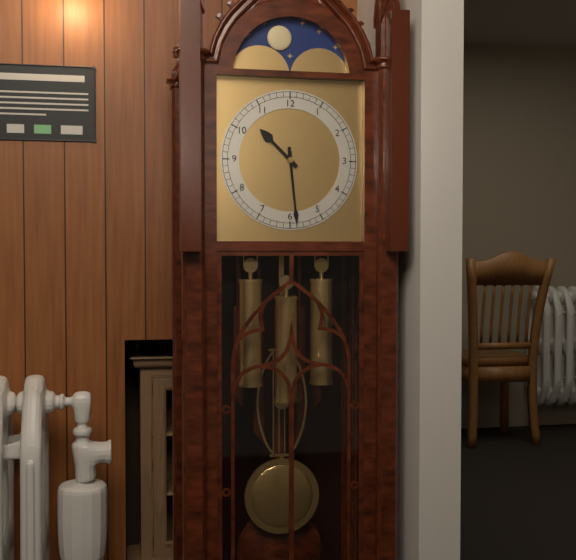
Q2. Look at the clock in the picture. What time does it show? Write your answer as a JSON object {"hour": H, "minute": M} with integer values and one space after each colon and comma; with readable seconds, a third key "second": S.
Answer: {"hour": 10, "minute": 29}
